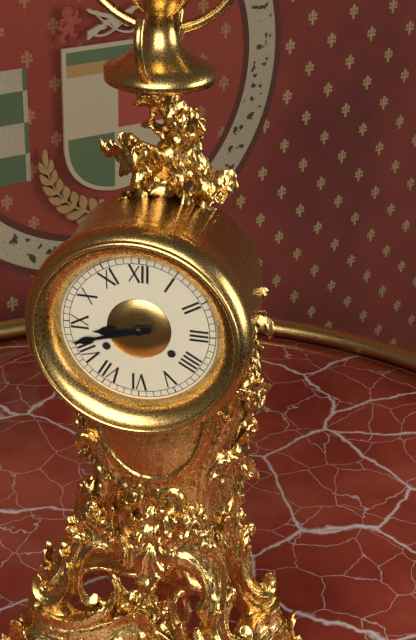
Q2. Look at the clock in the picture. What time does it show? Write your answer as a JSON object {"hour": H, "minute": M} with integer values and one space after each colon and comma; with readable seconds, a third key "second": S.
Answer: {"hour": 8, "minute": 42}
